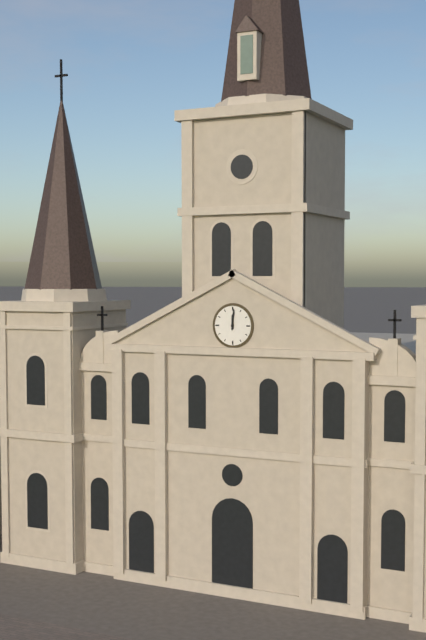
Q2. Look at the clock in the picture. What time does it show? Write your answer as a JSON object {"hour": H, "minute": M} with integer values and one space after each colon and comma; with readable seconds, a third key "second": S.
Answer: {"hour": 12, "minute": 1}
